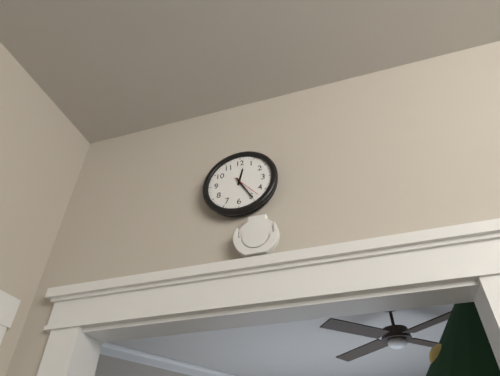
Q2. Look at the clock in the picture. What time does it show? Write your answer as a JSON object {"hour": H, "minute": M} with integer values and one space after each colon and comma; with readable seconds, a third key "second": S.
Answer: {"hour": 12, "minute": 25}
